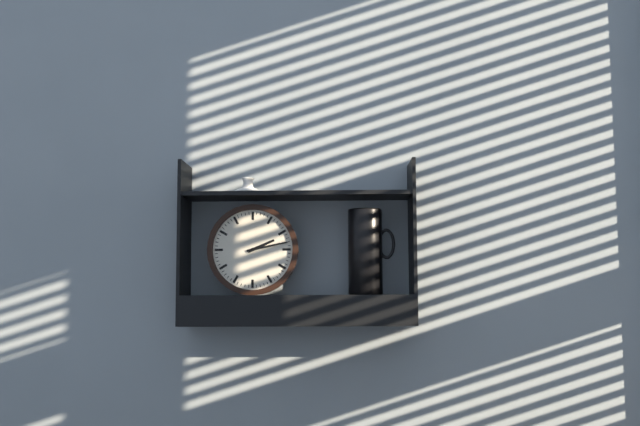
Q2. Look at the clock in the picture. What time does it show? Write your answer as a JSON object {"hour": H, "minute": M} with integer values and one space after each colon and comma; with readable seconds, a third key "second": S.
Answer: {"hour": 2, "minute": 13}
